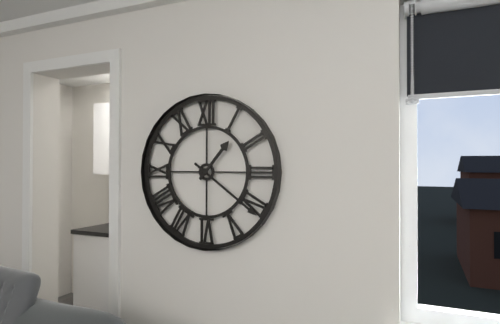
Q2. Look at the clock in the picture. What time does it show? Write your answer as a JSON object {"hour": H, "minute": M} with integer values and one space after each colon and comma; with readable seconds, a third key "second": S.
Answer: {"hour": 1, "minute": 21}
